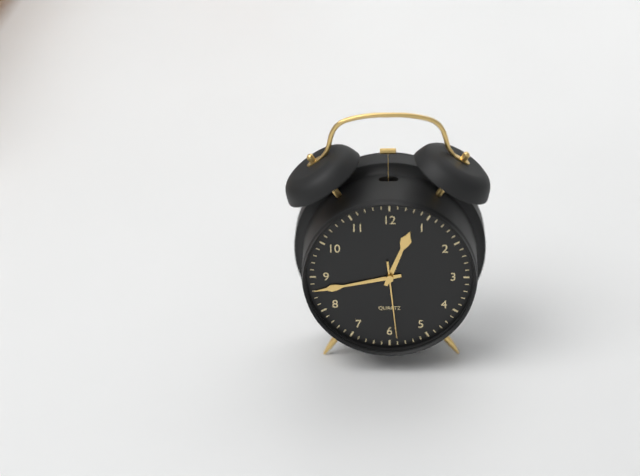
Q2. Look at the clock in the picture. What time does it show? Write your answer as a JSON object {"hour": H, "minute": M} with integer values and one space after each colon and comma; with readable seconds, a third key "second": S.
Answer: {"hour": 12, "minute": 43, "second": 29}
